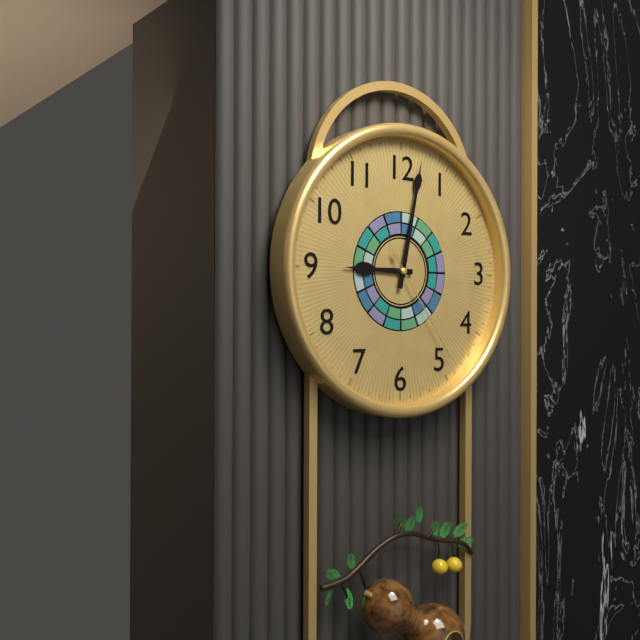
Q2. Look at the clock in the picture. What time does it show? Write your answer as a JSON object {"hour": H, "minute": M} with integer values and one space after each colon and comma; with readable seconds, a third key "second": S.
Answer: {"hour": 9, "minute": 2, "second": 24}
